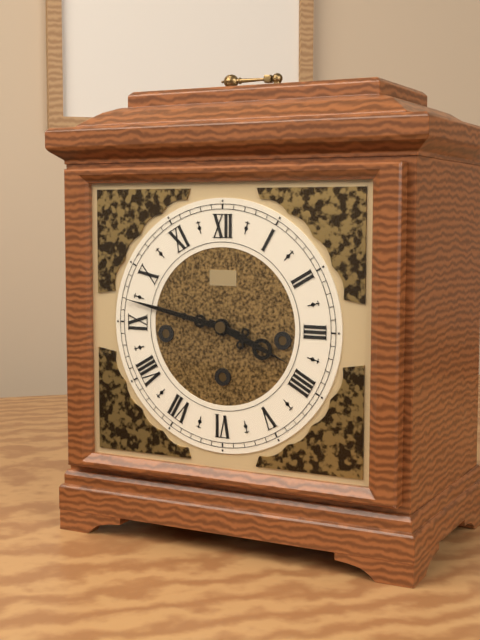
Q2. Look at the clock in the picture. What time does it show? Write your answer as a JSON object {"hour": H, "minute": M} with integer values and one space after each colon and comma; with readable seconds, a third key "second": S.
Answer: {"hour": 3, "minute": 47}
